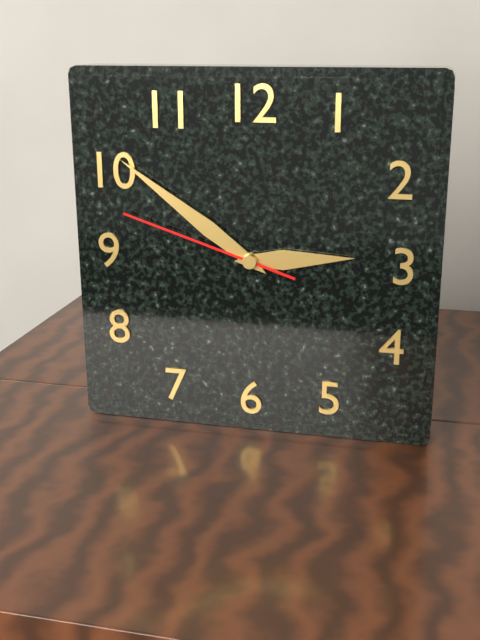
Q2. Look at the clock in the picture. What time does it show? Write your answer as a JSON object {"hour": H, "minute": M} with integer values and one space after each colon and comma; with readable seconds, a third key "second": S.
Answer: {"hour": 2, "minute": 51, "second": 48}
